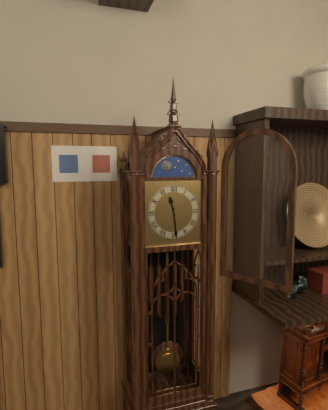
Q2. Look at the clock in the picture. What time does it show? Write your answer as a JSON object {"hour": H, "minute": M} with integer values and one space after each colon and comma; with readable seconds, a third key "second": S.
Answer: {"hour": 11, "minute": 29}
